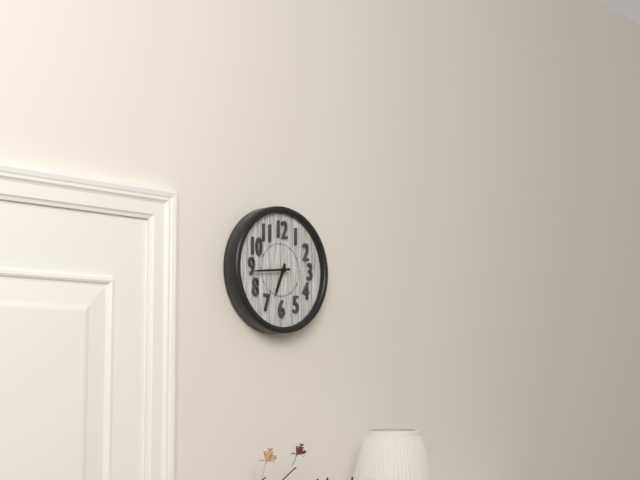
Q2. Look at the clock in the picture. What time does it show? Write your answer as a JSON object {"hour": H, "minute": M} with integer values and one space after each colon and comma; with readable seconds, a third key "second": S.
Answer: {"hour": 6, "minute": 44}
